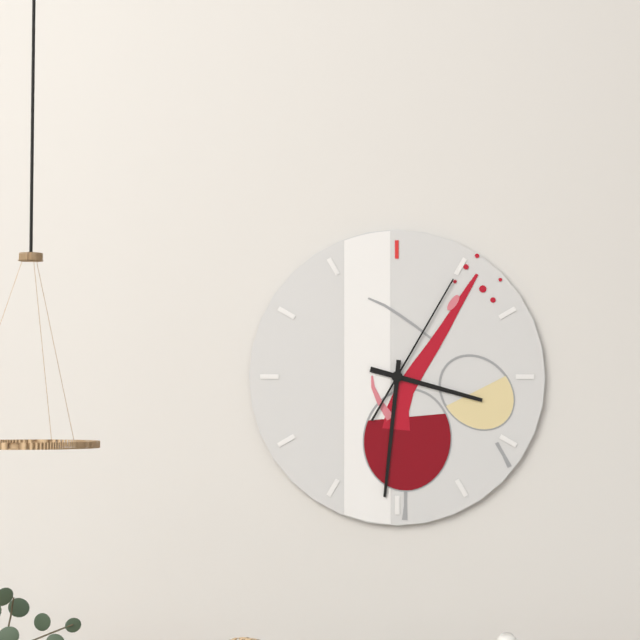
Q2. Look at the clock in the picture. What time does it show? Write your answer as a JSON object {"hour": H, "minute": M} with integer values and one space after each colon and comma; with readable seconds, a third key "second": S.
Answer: {"hour": 3, "minute": 31, "second": 5}
